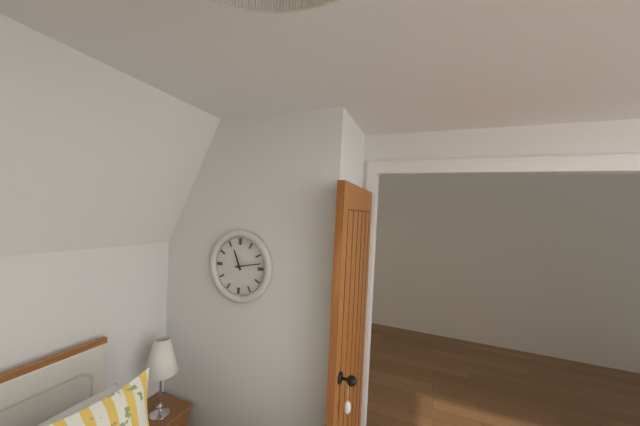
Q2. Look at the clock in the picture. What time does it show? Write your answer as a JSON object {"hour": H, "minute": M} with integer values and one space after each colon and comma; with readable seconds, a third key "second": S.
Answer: {"hour": 11, "minute": 13}
